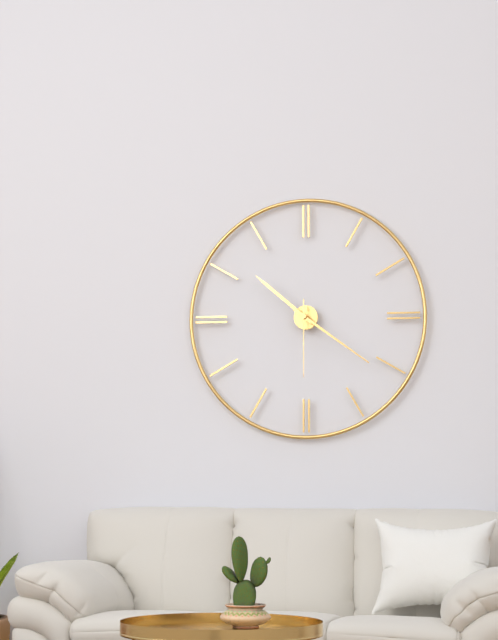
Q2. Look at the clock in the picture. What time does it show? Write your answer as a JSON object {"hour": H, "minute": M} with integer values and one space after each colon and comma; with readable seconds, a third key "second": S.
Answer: {"hour": 10, "minute": 21, "second": 30}
